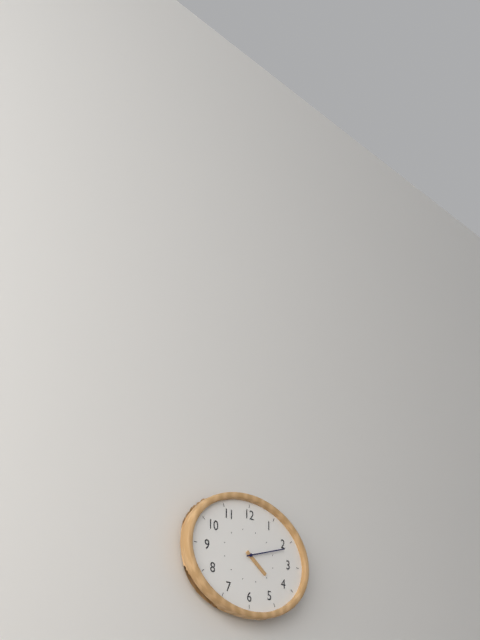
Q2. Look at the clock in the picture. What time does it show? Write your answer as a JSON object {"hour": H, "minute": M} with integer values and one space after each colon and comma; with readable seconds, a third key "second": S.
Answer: {"hour": 4, "minute": 12}
